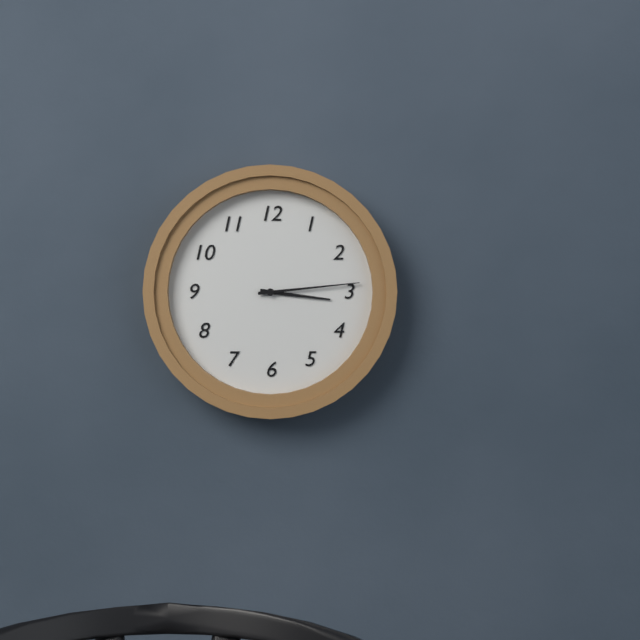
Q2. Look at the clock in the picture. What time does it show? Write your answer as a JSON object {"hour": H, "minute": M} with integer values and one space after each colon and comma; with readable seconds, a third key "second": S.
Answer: {"hour": 3, "minute": 14}
